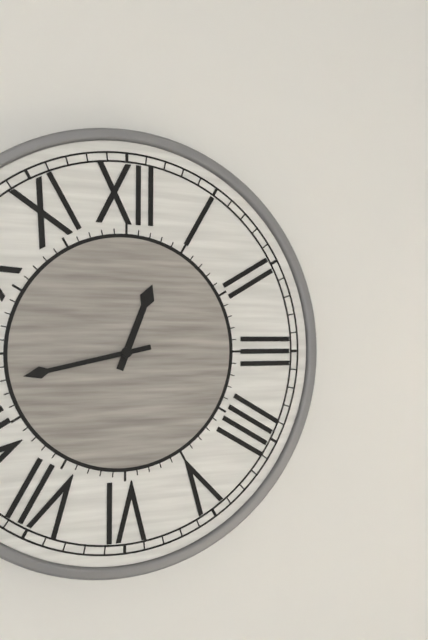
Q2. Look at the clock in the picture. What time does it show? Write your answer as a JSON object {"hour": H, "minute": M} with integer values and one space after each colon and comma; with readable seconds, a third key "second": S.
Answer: {"hour": 12, "minute": 43}
